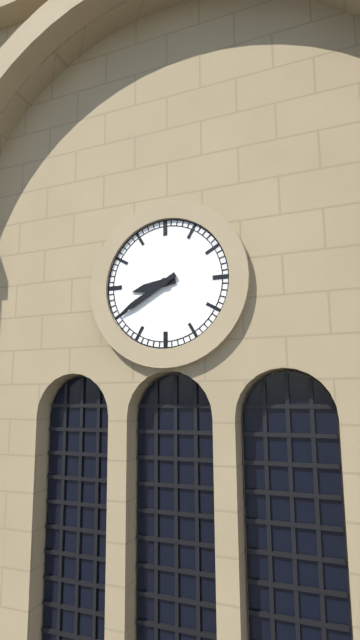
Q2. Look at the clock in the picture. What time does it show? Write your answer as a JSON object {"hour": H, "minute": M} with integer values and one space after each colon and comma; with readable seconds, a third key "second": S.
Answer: {"hour": 8, "minute": 40}
